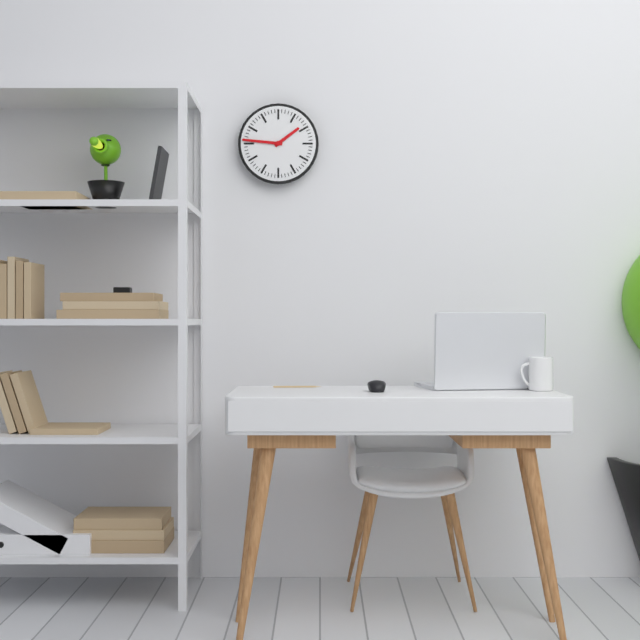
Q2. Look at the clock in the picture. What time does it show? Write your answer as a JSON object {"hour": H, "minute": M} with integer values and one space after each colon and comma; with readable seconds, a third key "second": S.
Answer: {"hour": 1, "minute": 46}
